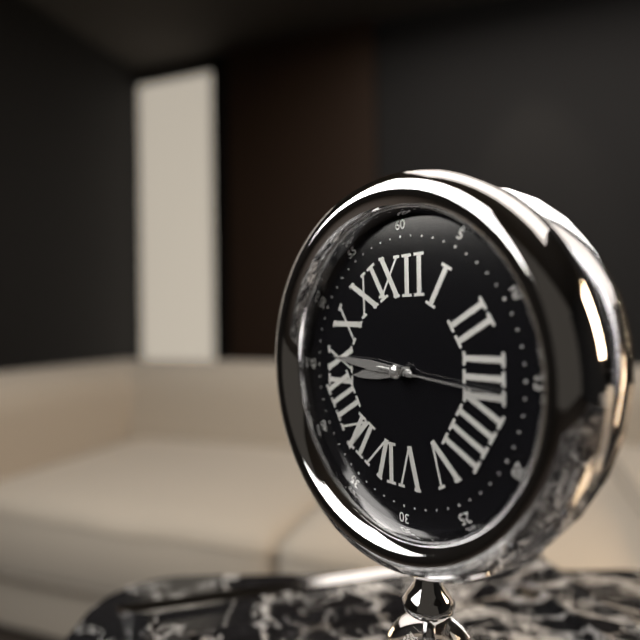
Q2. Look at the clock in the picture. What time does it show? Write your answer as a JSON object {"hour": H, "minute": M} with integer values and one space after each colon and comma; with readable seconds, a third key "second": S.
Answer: {"hour": 8, "minute": 46, "second": 16}
